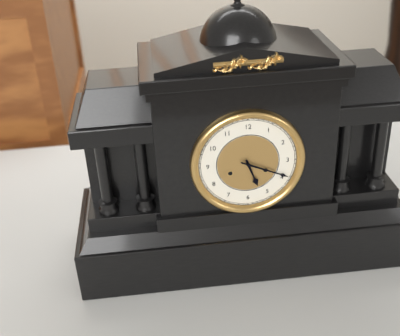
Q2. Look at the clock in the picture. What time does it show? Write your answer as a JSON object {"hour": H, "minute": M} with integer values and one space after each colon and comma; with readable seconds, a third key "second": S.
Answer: {"hour": 5, "minute": 19}
